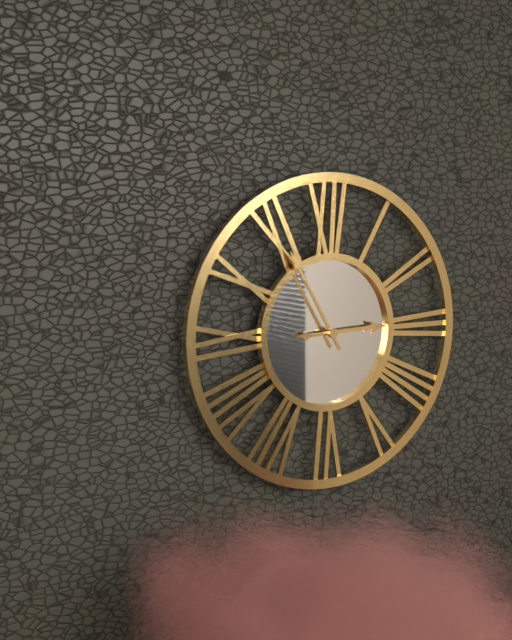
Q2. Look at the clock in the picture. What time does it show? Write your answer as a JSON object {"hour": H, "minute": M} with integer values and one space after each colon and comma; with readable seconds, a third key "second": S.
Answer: {"hour": 2, "minute": 55}
